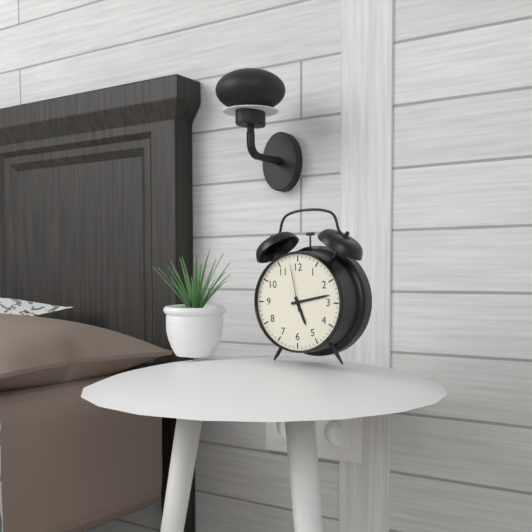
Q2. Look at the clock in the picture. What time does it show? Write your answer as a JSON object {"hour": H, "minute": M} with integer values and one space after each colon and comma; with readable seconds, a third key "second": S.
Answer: {"hour": 5, "minute": 13, "second": 58}
